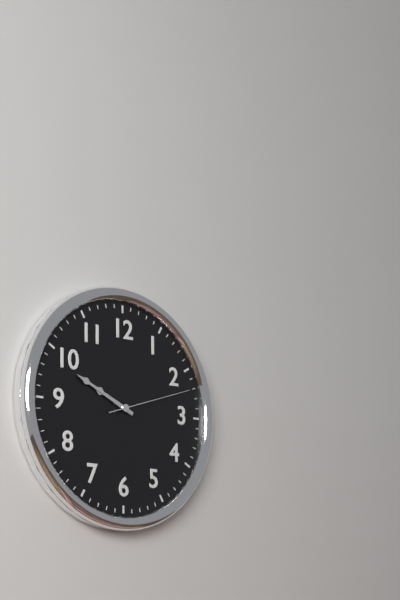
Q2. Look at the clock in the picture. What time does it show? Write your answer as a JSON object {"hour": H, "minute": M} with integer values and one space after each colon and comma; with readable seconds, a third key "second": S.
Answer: {"hour": 9, "minute": 49, "second": 12}
